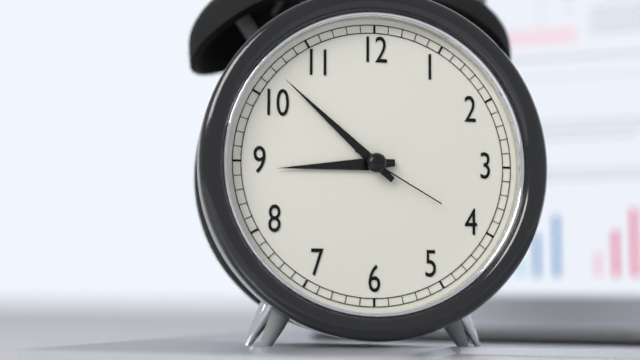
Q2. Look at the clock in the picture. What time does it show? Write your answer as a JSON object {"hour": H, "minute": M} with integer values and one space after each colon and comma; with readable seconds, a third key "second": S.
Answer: {"hour": 8, "minute": 52, "second": 20}
